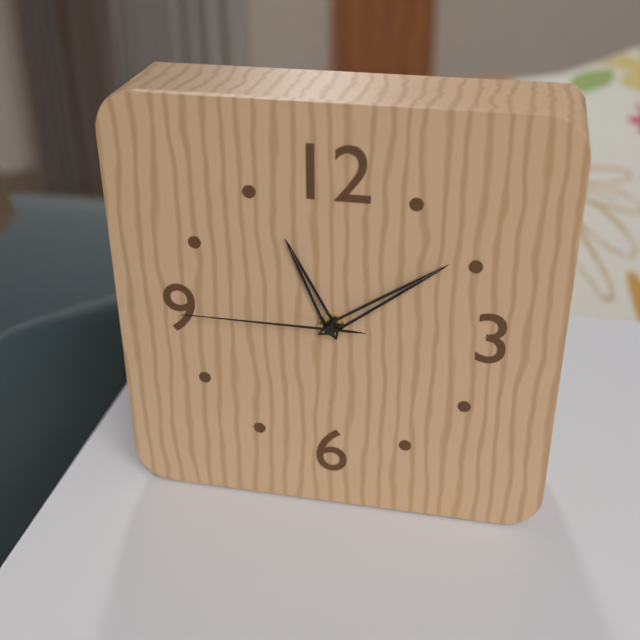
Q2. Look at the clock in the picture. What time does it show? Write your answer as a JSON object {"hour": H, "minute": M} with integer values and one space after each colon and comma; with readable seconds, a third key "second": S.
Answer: {"hour": 11, "minute": 9, "second": 45}
